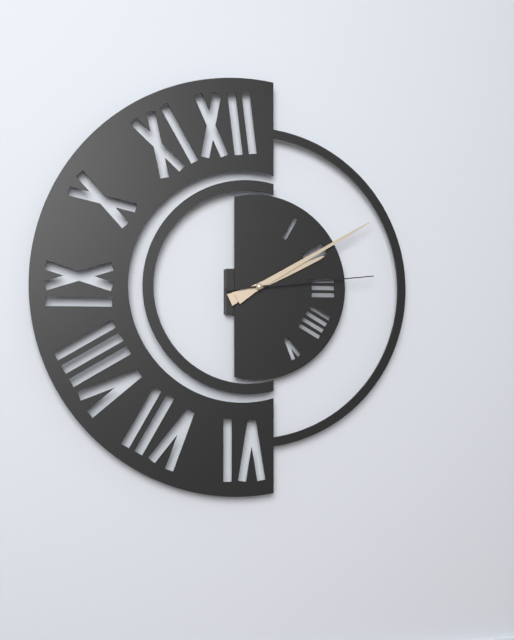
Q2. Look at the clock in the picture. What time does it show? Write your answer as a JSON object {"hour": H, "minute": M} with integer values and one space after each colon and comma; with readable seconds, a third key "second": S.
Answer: {"hour": 2, "minute": 10, "second": 14}
